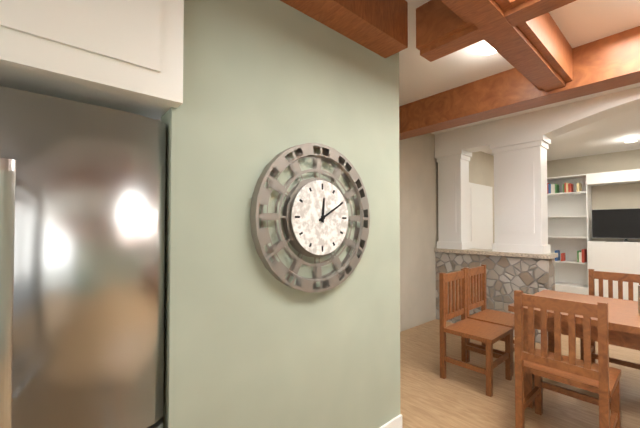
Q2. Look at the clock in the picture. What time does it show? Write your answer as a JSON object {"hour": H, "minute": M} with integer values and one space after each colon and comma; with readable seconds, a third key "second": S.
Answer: {"hour": 12, "minute": 10}
